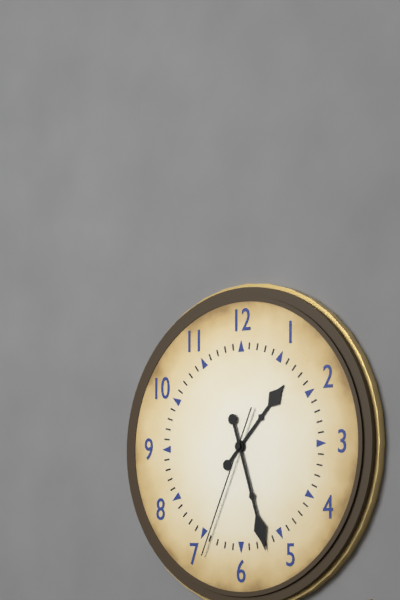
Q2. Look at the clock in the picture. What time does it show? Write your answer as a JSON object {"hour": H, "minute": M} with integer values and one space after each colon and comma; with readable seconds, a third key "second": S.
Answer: {"hour": 1, "minute": 27, "second": 34}
